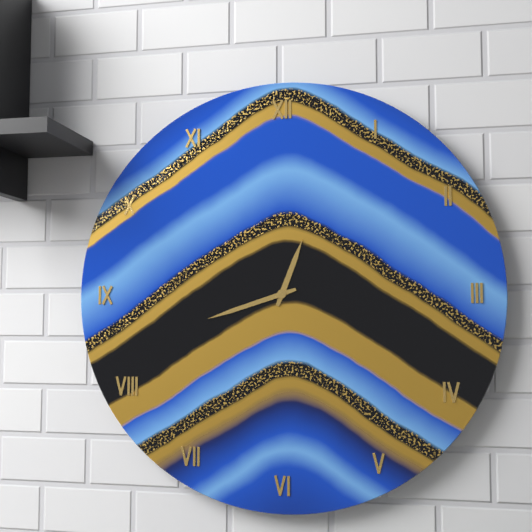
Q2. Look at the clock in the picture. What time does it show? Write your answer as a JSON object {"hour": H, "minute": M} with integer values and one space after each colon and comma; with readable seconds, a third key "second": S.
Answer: {"hour": 12, "minute": 42}
